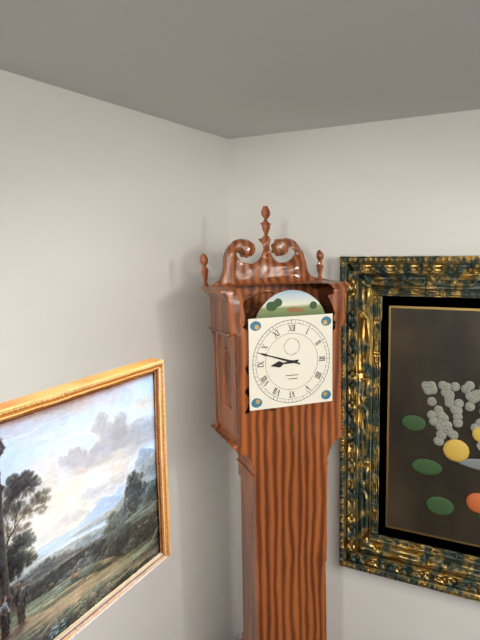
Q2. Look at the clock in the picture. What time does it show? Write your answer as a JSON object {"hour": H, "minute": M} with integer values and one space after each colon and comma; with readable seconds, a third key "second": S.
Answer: {"hour": 8, "minute": 48}
